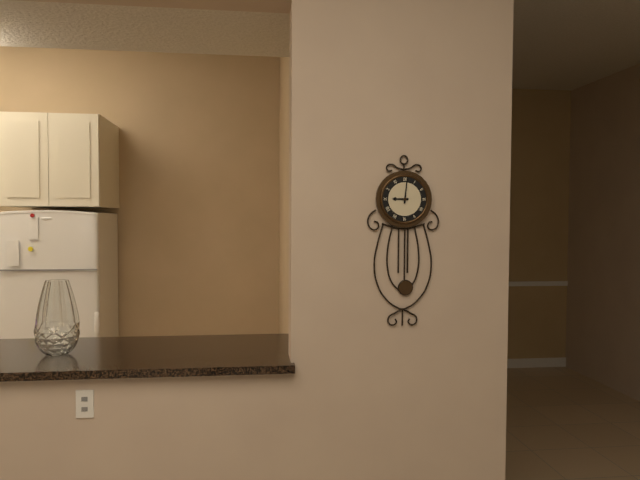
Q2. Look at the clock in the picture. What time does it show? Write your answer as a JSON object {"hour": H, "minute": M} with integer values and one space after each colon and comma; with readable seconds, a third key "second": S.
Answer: {"hour": 9, "minute": 1}
